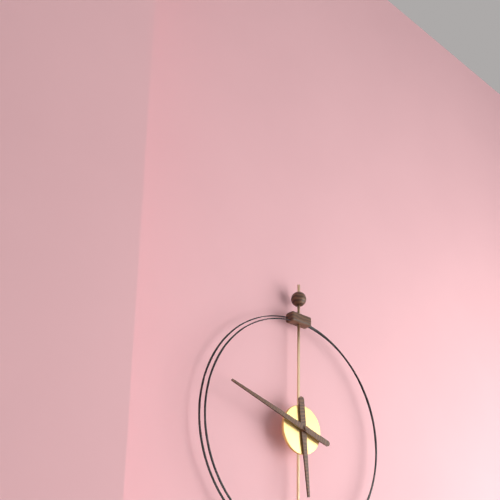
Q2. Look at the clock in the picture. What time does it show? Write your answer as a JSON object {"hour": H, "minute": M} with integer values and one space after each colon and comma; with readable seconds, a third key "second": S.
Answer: {"hour": 5, "minute": 48}
